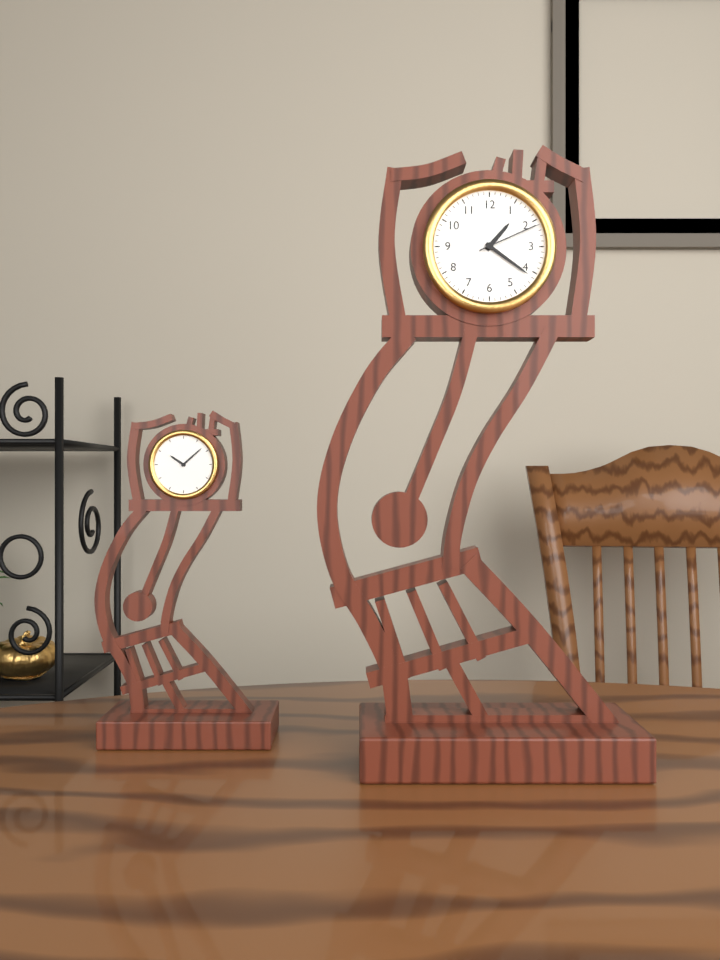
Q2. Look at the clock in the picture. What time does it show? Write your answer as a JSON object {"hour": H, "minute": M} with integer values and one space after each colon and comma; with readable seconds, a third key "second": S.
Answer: {"hour": 1, "minute": 21, "second": 11}
